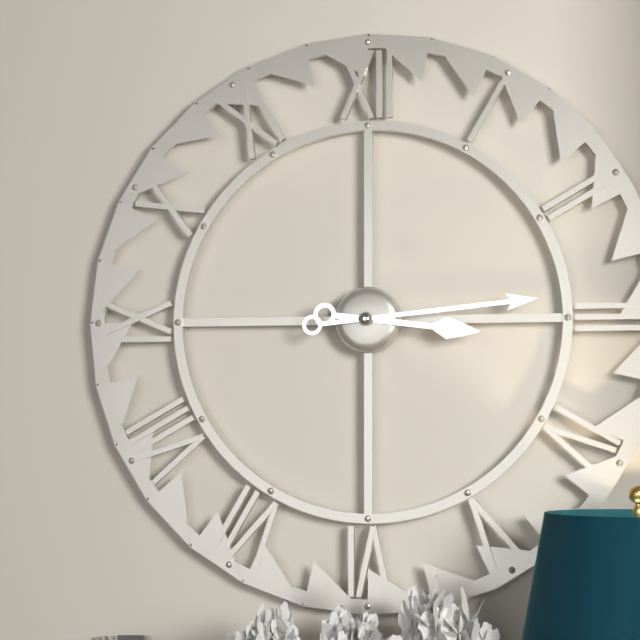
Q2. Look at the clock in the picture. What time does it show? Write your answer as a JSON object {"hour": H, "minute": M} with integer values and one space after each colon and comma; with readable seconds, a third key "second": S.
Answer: {"hour": 3, "minute": 14}
